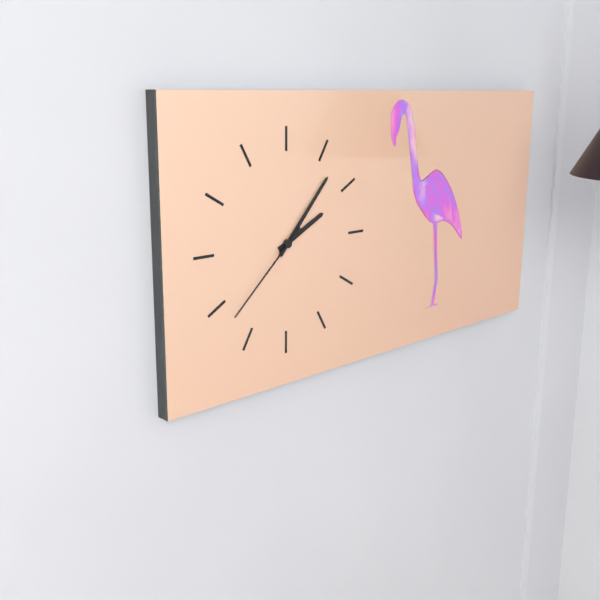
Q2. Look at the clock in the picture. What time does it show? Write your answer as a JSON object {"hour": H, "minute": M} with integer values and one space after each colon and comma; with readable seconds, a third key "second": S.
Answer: {"hour": 2, "minute": 7, "second": 38}
